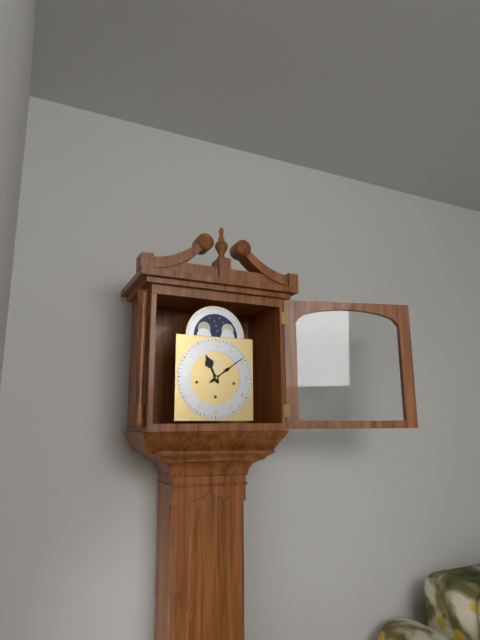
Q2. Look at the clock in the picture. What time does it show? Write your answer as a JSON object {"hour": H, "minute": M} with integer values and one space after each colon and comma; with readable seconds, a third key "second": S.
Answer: {"hour": 11, "minute": 9}
